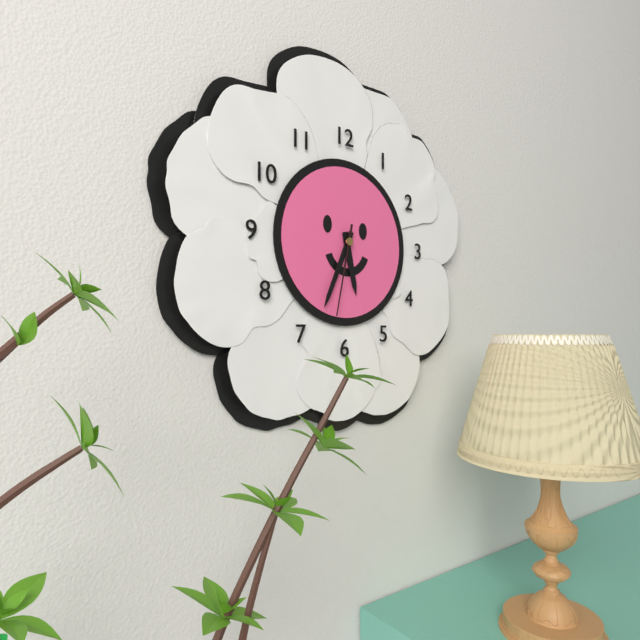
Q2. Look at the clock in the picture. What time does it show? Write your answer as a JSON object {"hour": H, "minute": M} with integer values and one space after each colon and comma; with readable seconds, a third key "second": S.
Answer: {"hour": 5, "minute": 34, "second": 32}
